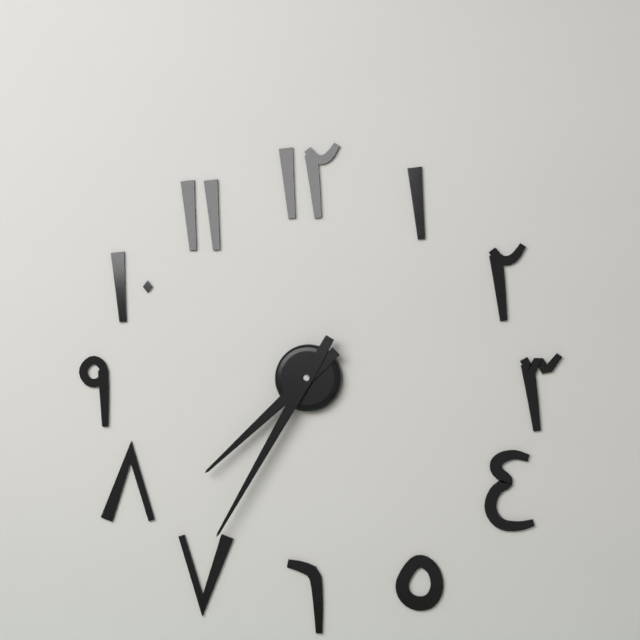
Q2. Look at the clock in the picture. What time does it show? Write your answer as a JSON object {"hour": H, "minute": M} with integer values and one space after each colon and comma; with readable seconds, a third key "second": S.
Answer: {"hour": 7, "minute": 35}
